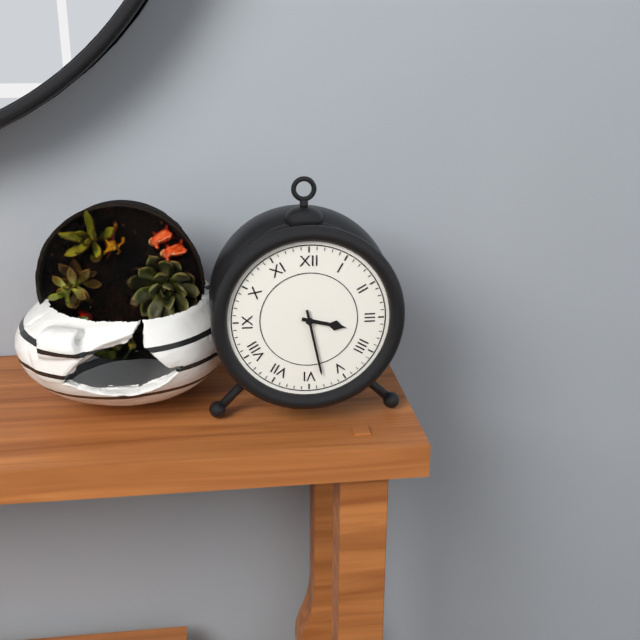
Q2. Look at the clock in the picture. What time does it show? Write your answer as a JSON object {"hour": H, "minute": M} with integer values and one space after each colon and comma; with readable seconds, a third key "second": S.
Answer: {"hour": 3, "minute": 28}
